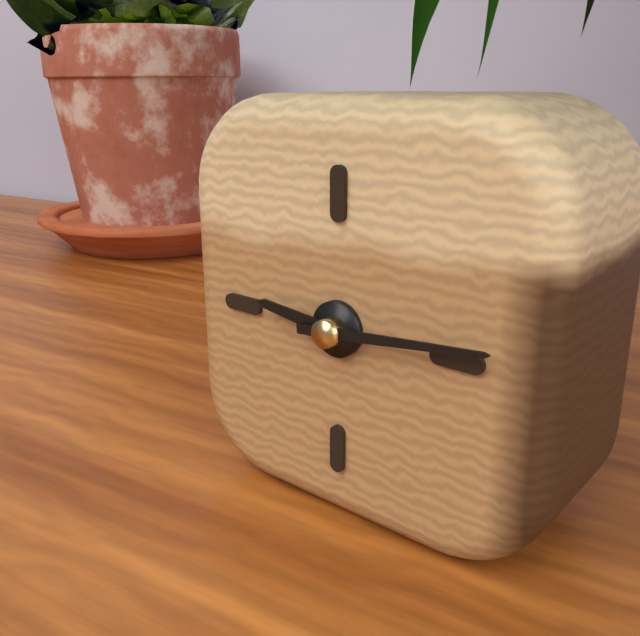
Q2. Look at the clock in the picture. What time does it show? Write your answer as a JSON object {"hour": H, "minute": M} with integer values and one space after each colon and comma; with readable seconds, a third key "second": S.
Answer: {"hour": 9, "minute": 14}
